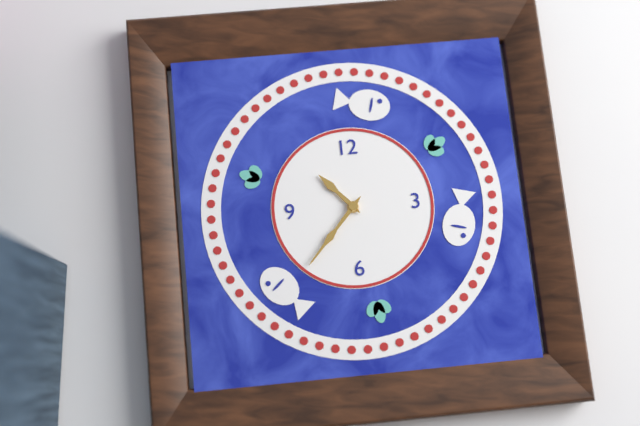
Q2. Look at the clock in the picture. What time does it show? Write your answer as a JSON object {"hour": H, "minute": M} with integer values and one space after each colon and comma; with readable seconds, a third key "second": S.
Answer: {"hour": 10, "minute": 37}
